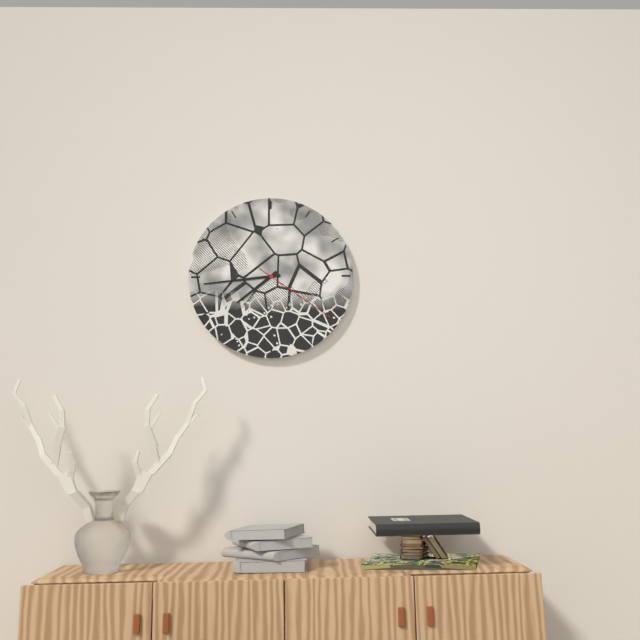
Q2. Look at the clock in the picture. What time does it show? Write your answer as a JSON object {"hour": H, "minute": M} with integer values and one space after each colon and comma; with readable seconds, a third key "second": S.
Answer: {"hour": 7, "minute": 44, "second": 21}
